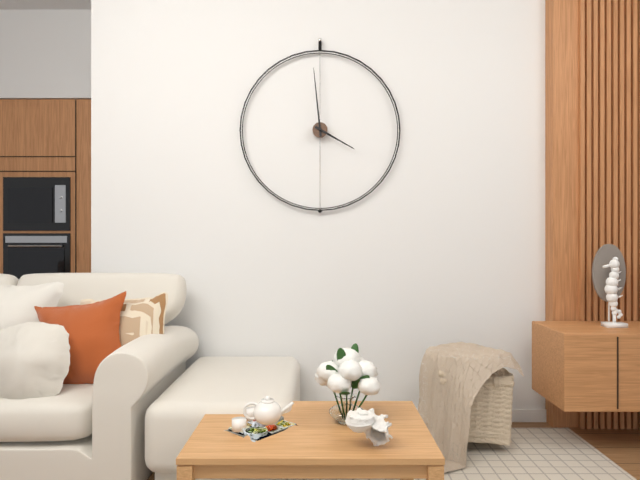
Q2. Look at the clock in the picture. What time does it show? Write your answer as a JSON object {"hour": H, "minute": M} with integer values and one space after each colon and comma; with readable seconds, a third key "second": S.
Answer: {"hour": 3, "minute": 59}
